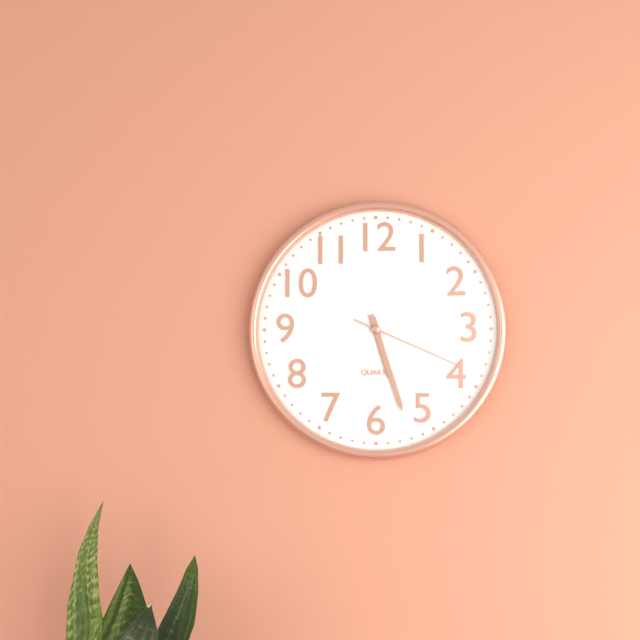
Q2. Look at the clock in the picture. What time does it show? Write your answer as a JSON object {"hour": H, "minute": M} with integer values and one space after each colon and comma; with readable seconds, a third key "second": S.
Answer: {"hour": 5, "minute": 27, "second": 19}
